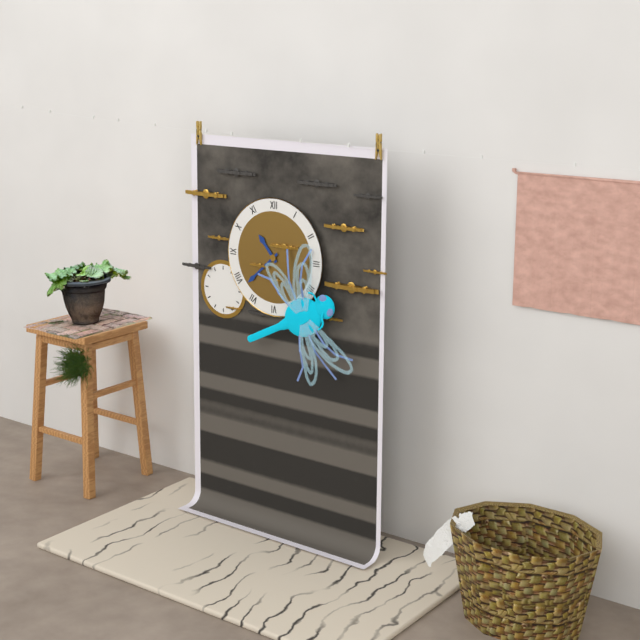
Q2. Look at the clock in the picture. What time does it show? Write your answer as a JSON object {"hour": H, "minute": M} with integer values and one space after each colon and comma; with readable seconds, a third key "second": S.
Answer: {"hour": 10, "minute": 38}
